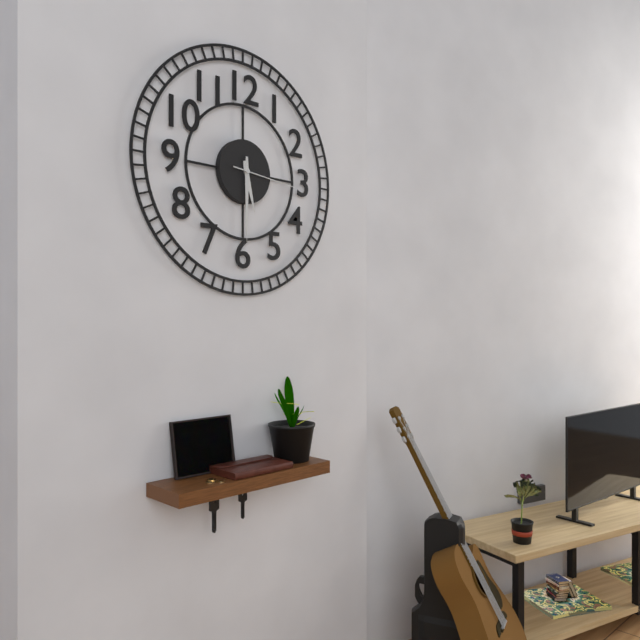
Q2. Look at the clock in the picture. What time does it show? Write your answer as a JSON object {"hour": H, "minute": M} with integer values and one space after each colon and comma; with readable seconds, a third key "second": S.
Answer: {"hour": 5, "minute": 30, "second": 16}
